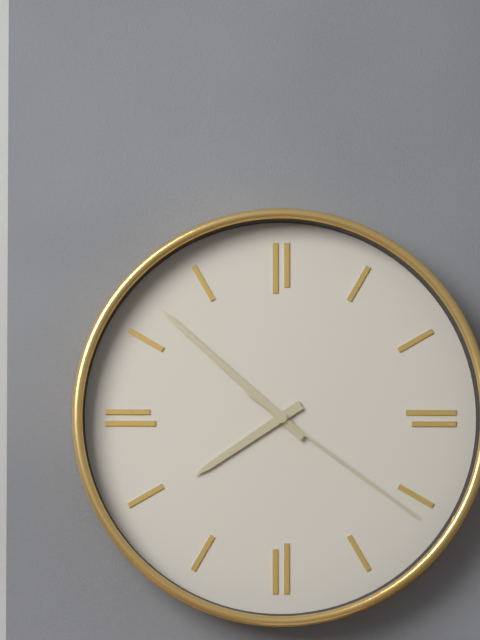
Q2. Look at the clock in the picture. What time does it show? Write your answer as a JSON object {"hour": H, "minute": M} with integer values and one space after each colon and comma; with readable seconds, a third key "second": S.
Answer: {"hour": 7, "minute": 52, "second": 21}
